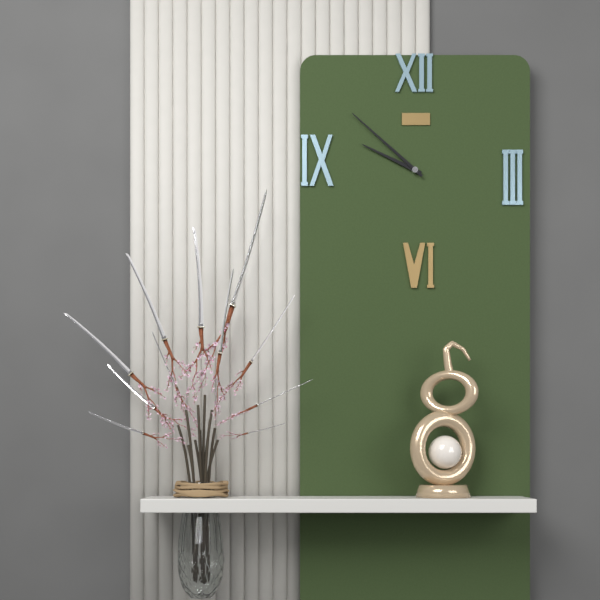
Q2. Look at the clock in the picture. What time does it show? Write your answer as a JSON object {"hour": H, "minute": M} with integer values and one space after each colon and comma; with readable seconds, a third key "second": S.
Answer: {"hour": 9, "minute": 52}
